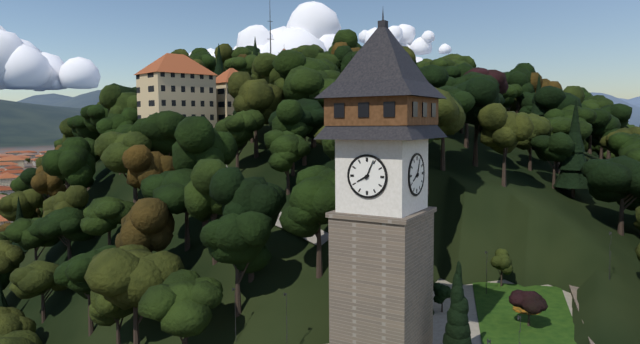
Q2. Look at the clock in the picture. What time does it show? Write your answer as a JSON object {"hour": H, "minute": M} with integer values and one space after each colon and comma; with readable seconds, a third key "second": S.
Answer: {"hour": 8, "minute": 4}
